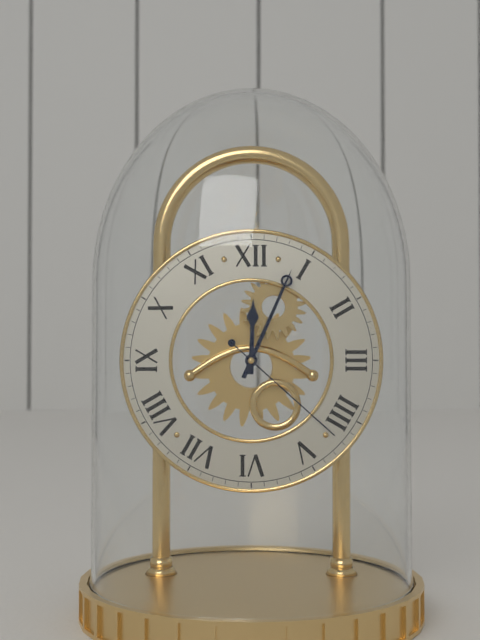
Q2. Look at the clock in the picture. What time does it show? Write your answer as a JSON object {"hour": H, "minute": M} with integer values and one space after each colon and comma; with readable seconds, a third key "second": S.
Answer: {"hour": 12, "minute": 4, "second": 22}
